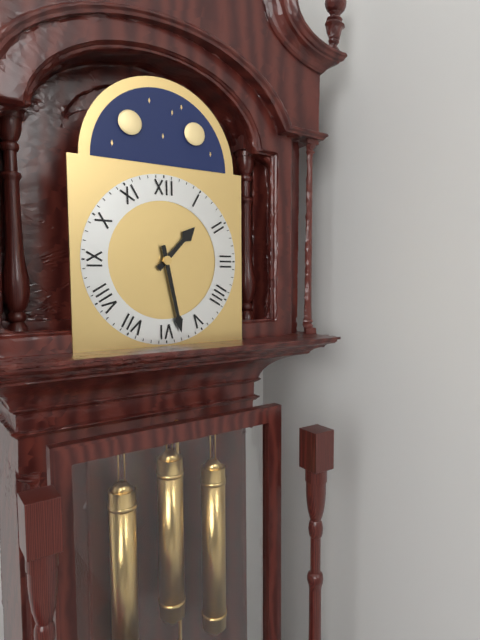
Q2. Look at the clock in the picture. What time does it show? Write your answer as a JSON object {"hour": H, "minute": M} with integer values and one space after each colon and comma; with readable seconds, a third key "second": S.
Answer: {"hour": 1, "minute": 28}
